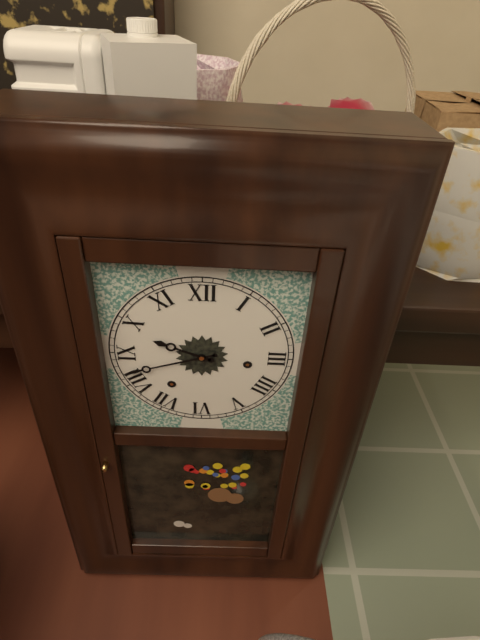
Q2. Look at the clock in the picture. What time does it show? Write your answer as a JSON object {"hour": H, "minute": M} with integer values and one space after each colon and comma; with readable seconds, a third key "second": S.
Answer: {"hour": 9, "minute": 42}
